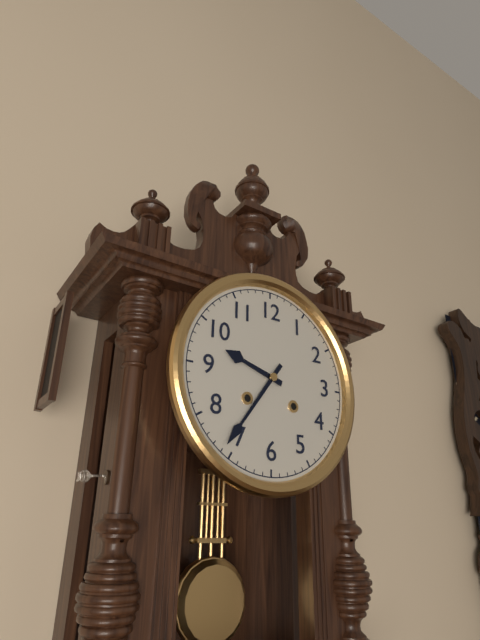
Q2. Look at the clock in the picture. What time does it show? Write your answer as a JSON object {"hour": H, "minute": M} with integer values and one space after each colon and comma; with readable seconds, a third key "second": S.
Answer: {"hour": 9, "minute": 36}
